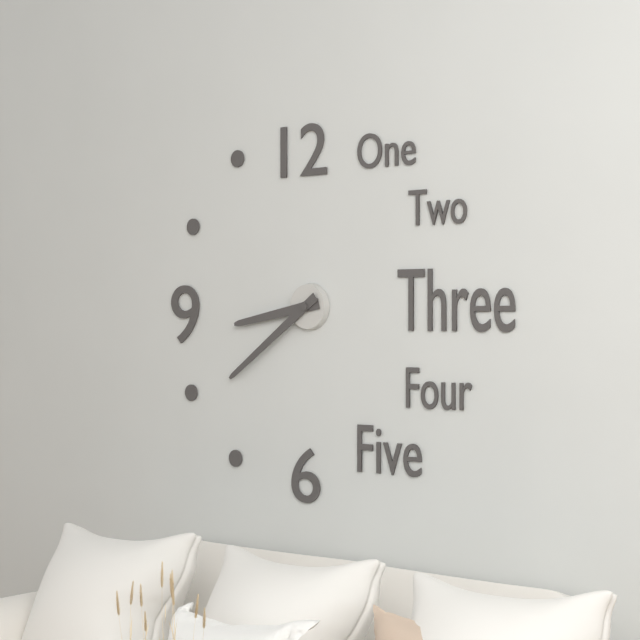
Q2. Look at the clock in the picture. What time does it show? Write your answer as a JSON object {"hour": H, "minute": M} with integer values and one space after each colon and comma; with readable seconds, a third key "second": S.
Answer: {"hour": 8, "minute": 39}
